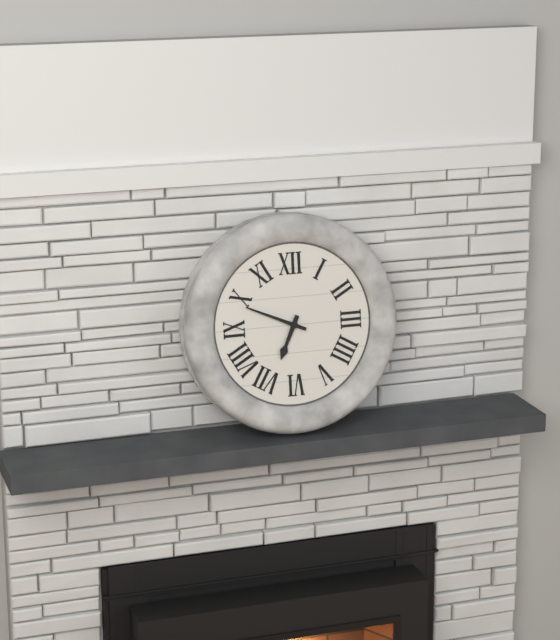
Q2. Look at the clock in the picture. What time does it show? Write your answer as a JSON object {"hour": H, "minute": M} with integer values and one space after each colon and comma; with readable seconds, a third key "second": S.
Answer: {"hour": 6, "minute": 49}
